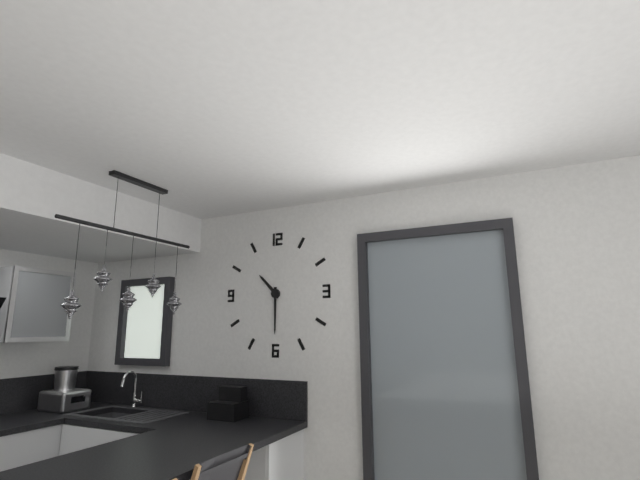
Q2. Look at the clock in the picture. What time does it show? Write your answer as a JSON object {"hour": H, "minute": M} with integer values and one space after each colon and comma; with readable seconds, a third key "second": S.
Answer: {"hour": 10, "minute": 30}
